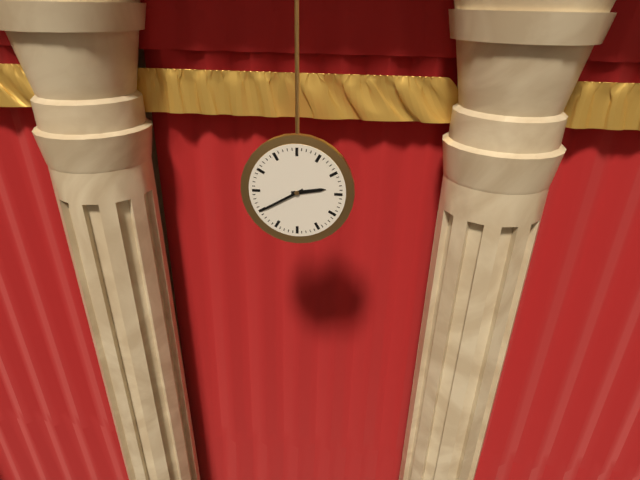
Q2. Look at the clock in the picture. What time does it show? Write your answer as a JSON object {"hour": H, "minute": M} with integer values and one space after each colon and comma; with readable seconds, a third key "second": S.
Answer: {"hour": 2, "minute": 40}
